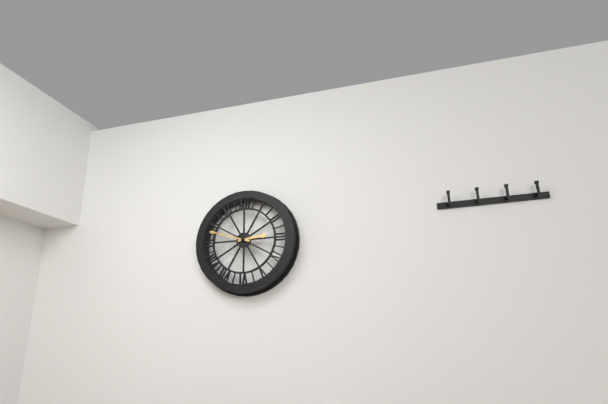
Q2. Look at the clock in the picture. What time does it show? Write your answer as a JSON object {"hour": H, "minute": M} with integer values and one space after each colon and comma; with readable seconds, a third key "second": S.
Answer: {"hour": 2, "minute": 48}
